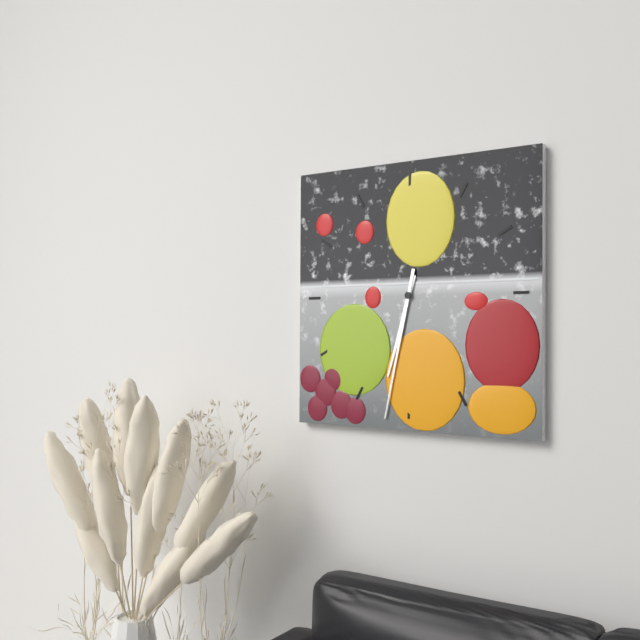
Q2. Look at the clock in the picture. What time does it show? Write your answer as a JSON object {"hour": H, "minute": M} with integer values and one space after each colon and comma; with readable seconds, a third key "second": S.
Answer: {"hour": 6, "minute": 32}
